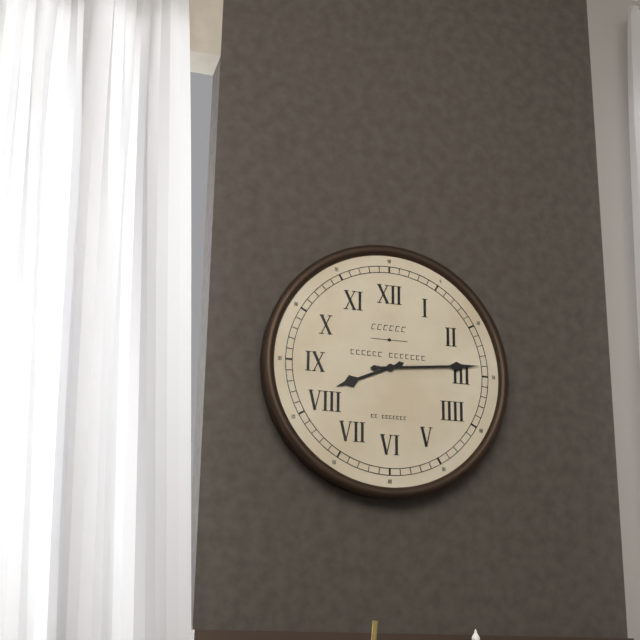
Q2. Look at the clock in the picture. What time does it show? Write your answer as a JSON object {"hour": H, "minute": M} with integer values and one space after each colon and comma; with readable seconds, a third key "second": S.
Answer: {"hour": 8, "minute": 14}
